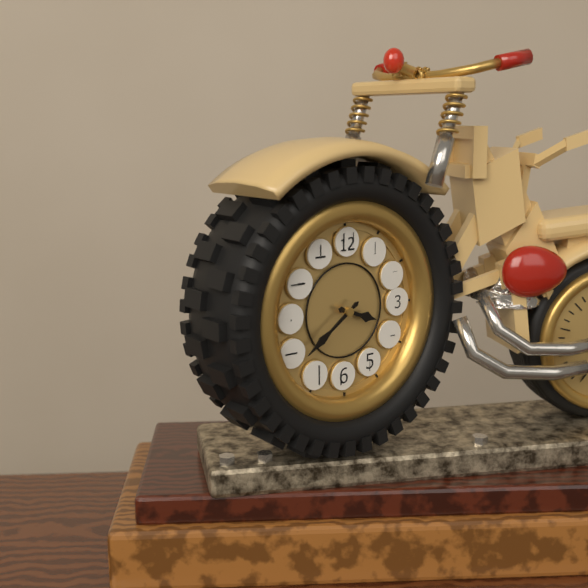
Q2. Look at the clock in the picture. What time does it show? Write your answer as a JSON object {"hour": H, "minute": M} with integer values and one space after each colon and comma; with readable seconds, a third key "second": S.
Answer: {"hour": 3, "minute": 39}
